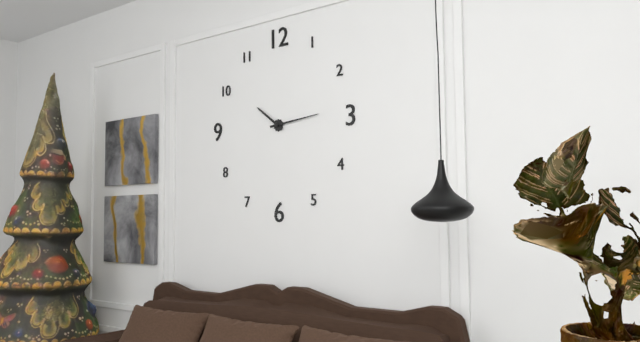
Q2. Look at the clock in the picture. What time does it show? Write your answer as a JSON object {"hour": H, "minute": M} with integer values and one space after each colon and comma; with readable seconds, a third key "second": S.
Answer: {"hour": 10, "minute": 14}
